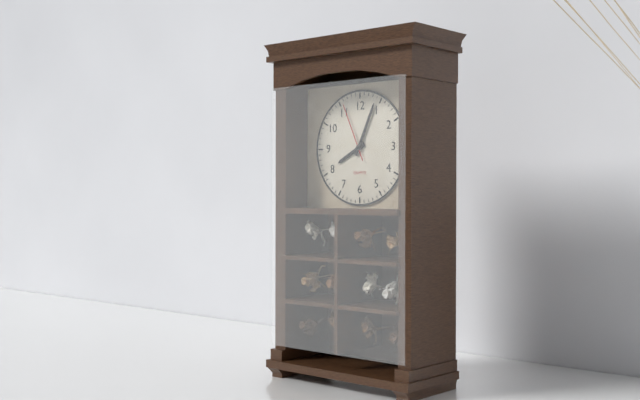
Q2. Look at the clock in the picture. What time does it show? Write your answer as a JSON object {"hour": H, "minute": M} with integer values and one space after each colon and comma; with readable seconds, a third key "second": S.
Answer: {"hour": 8, "minute": 4, "second": 56}
